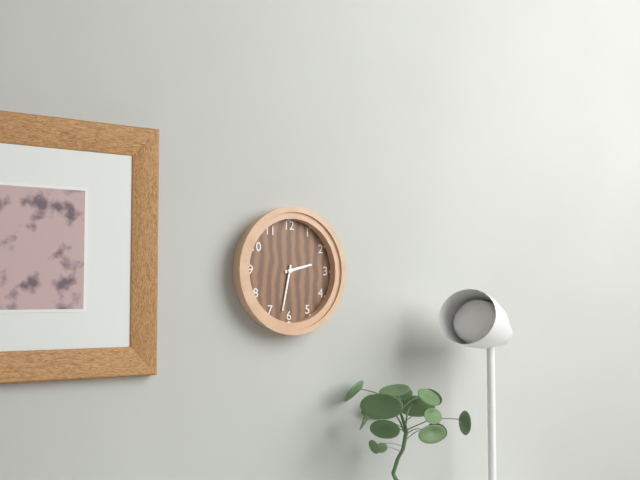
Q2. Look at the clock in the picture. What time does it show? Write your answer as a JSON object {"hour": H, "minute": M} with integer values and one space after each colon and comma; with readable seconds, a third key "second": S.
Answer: {"hour": 2, "minute": 32}
